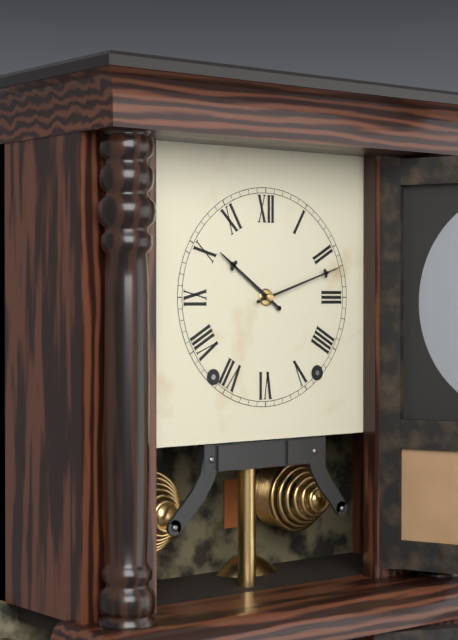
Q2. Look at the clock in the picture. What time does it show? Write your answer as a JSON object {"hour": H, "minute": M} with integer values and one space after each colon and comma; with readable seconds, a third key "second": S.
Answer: {"hour": 10, "minute": 12}
